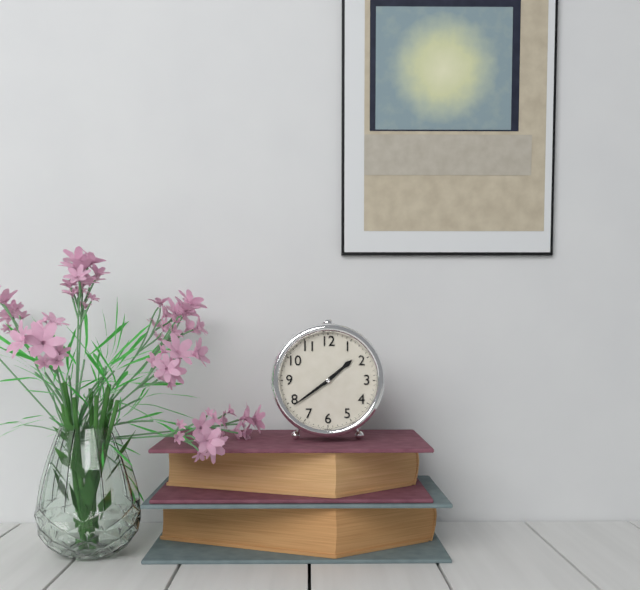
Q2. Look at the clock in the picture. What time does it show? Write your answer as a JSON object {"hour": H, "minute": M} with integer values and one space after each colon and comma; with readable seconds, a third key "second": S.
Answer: {"hour": 1, "minute": 39}
